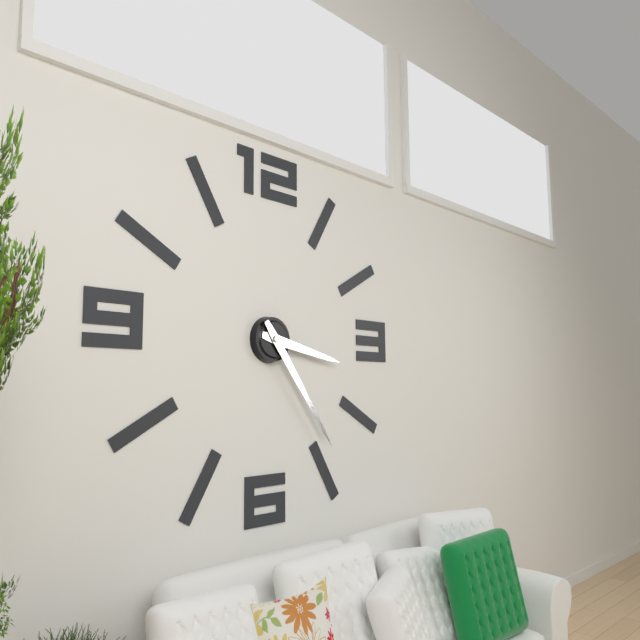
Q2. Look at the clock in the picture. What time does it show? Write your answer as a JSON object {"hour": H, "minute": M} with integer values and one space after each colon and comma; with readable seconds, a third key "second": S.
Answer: {"hour": 3, "minute": 24}
